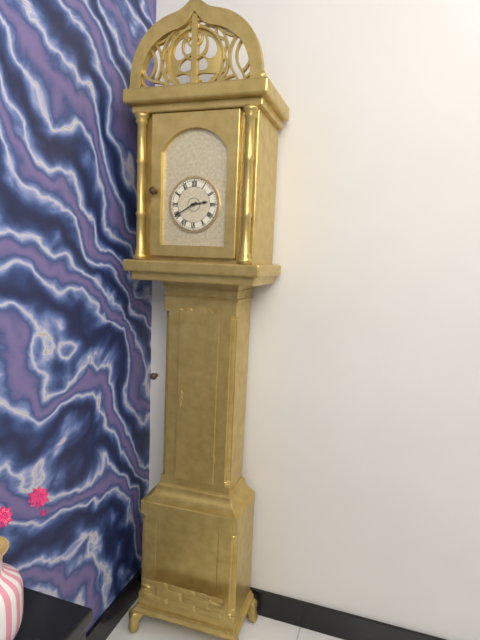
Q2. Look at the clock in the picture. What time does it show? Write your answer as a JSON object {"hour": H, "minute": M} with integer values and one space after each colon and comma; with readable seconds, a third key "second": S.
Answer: {"hour": 2, "minute": 40}
